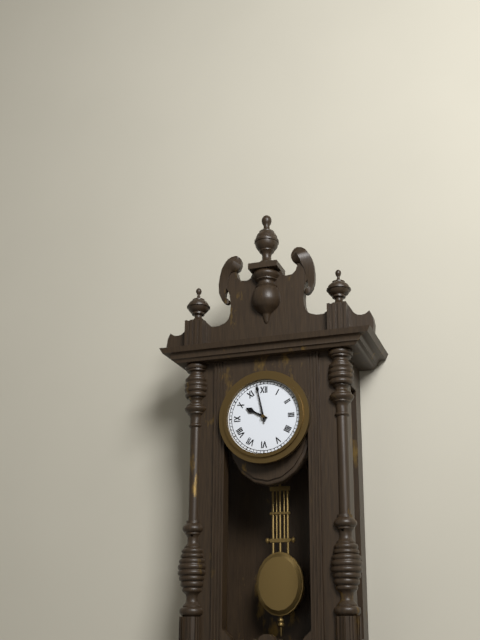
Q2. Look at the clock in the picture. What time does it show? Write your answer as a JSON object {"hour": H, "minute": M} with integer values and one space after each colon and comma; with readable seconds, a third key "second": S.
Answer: {"hour": 9, "minute": 58}
